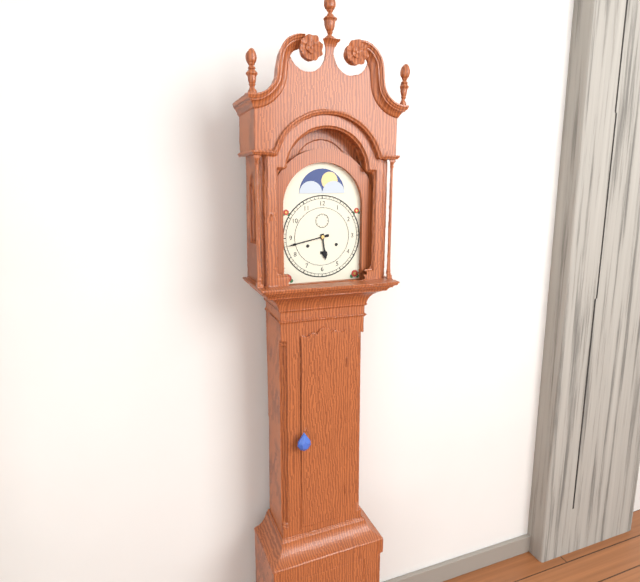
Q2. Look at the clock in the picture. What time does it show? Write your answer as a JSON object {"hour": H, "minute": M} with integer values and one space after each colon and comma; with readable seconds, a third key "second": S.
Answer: {"hour": 5, "minute": 43}
